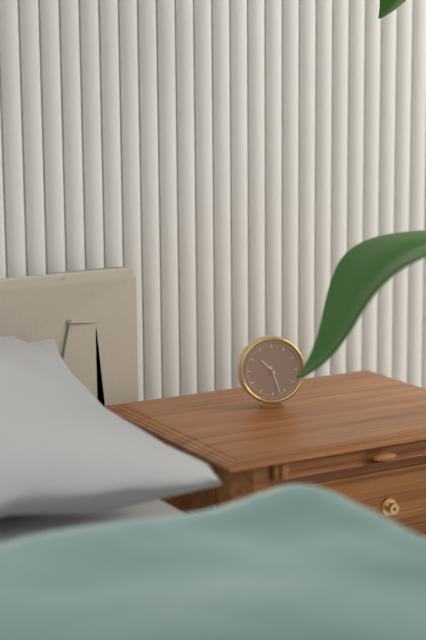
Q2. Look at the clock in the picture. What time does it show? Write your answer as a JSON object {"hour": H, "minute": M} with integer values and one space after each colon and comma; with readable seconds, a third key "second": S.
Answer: {"hour": 10, "minute": 27}
